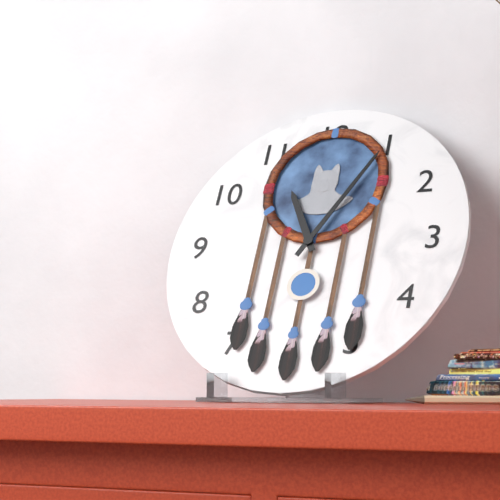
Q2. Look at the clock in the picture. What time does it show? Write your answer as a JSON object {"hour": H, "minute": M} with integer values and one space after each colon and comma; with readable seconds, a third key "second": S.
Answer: {"hour": 11, "minute": 5}
